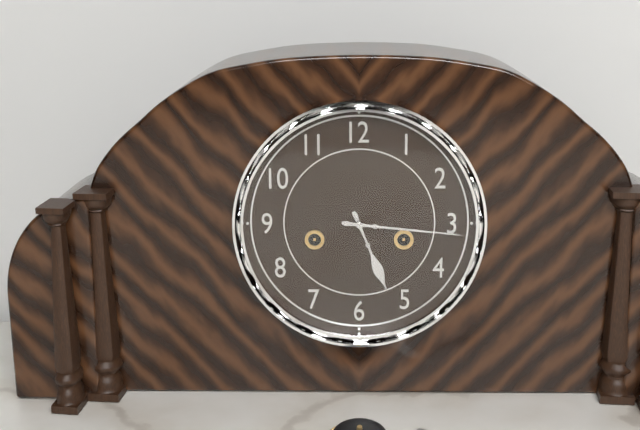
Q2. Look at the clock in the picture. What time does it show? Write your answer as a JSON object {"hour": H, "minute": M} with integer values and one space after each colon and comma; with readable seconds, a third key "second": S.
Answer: {"hour": 5, "minute": 16}
